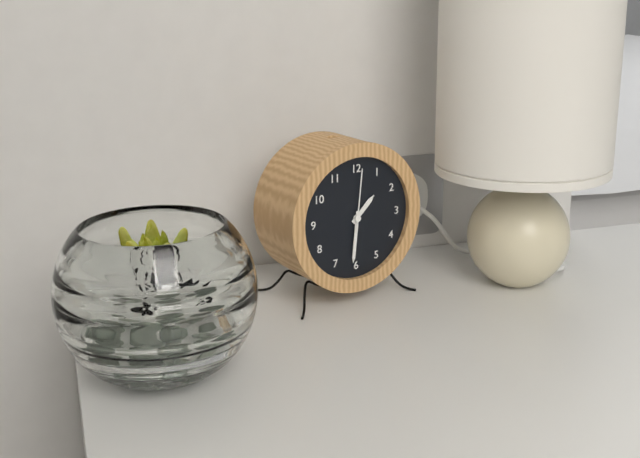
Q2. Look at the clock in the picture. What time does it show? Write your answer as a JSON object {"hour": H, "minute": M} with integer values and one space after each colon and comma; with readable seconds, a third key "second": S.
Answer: {"hour": 1, "minute": 31, "second": 1}
